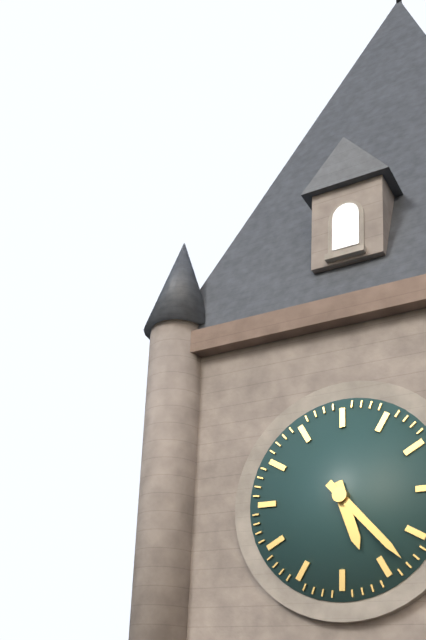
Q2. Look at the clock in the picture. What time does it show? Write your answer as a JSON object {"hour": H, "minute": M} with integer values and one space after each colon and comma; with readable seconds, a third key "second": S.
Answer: {"hour": 5, "minute": 23}
